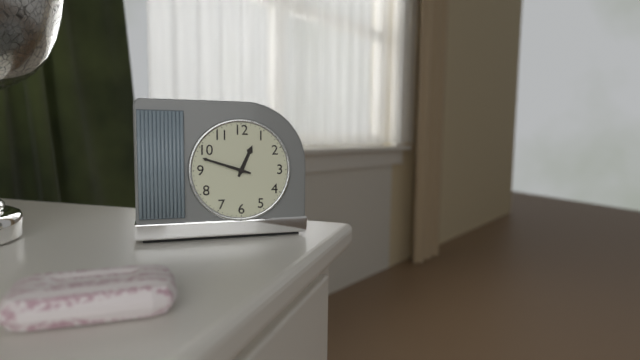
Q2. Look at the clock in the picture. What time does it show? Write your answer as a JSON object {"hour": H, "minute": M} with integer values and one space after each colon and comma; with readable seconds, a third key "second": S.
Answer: {"hour": 12, "minute": 48}
